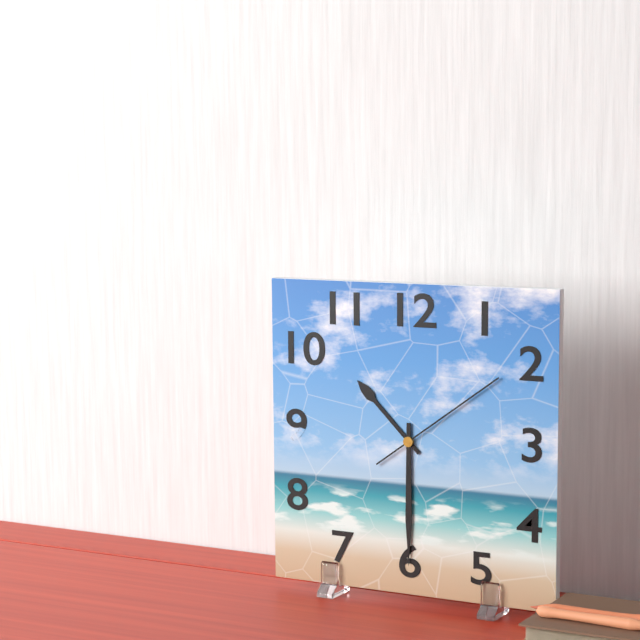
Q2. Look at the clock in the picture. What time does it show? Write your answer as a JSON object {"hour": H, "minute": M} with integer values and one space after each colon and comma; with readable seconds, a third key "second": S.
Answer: {"hour": 10, "minute": 30, "second": 9}
